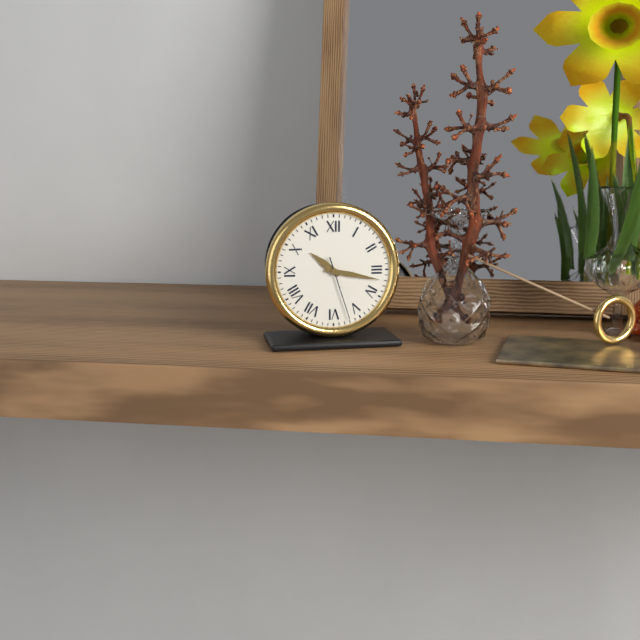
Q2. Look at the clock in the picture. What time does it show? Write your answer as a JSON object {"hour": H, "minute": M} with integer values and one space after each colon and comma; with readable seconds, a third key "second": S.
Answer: {"hour": 10, "minute": 17, "second": 27}
